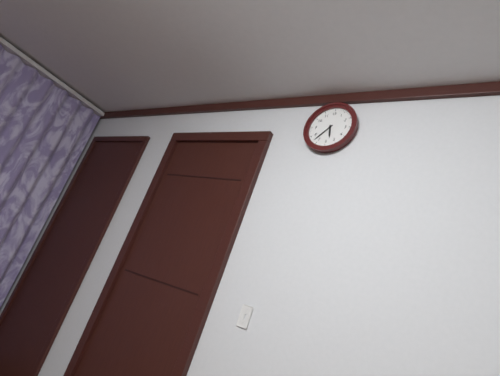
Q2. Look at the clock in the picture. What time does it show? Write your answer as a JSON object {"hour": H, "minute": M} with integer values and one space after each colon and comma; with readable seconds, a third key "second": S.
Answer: {"hour": 5, "minute": 37}
